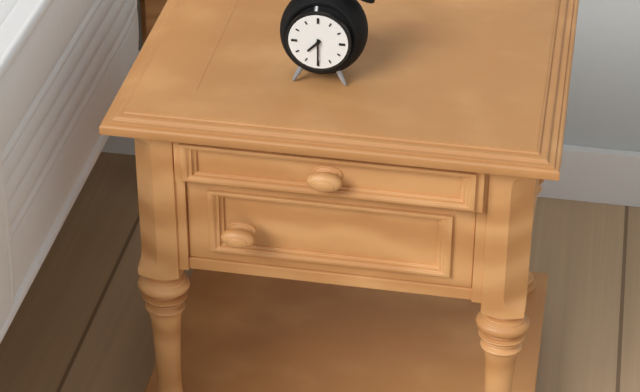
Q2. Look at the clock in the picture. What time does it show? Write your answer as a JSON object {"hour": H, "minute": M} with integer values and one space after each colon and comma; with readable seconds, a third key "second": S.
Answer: {"hour": 7, "minute": 30}
